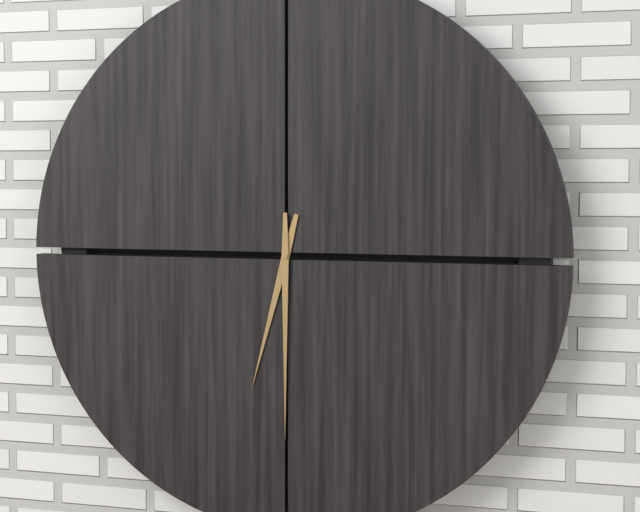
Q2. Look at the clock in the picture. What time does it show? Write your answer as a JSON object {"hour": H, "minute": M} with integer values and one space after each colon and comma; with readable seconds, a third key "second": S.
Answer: {"hour": 6, "minute": 30}
